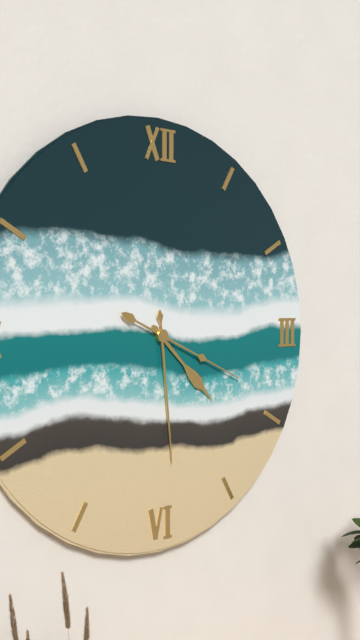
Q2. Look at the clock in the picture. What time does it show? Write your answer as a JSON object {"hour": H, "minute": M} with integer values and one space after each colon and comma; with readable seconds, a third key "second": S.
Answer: {"hour": 4, "minute": 29, "second": 19}
